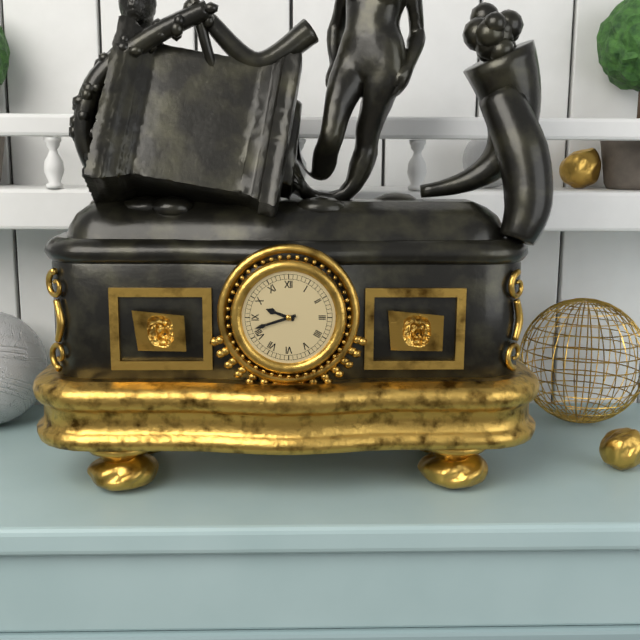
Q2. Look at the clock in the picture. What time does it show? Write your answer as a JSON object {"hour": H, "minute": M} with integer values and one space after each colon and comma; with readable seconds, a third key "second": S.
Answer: {"hour": 9, "minute": 42}
